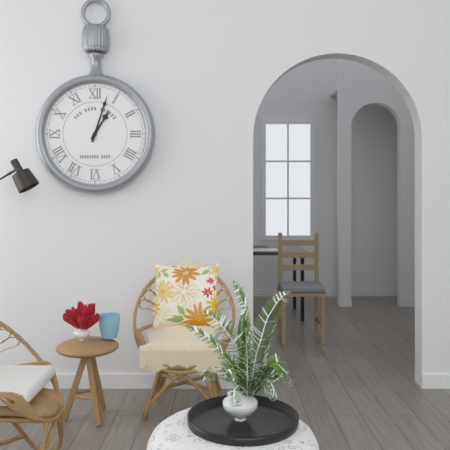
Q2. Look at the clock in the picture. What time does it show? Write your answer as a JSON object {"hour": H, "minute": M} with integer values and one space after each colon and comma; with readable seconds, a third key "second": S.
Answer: {"hour": 1, "minute": 3}
